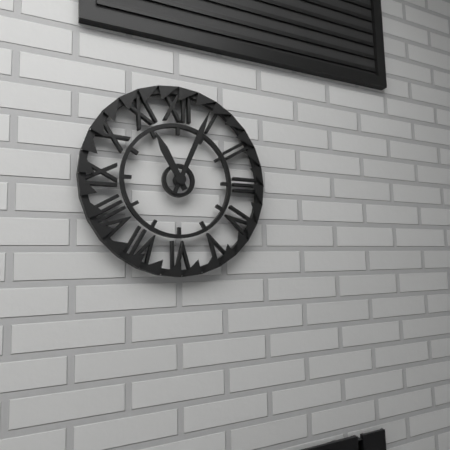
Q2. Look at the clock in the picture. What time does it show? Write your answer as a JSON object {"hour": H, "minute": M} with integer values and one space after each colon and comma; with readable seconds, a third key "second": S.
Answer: {"hour": 11, "minute": 4}
